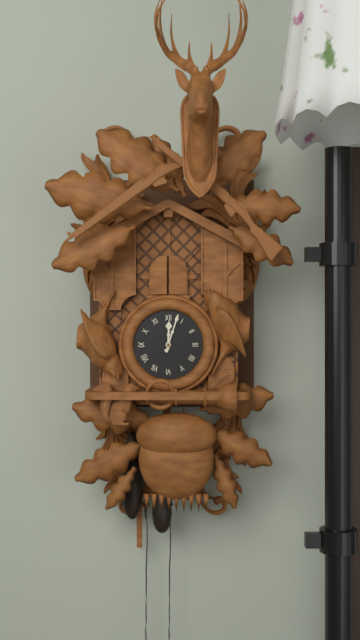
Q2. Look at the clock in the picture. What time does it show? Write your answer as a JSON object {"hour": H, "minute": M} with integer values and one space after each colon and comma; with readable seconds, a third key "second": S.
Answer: {"hour": 12, "minute": 3}
